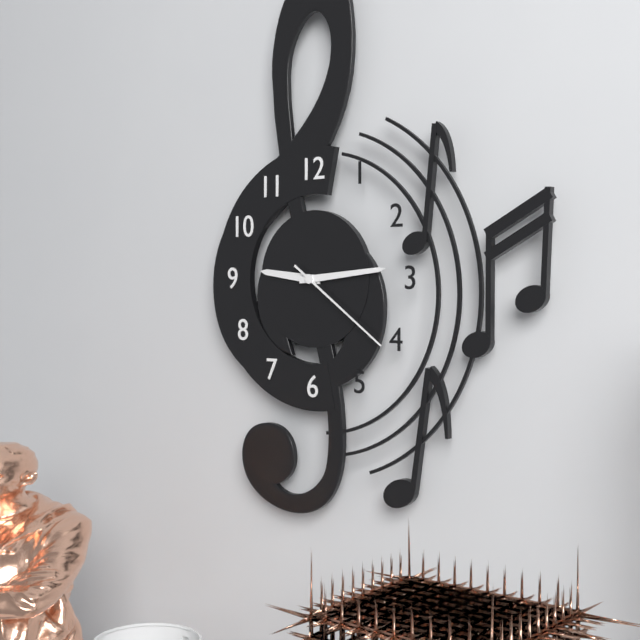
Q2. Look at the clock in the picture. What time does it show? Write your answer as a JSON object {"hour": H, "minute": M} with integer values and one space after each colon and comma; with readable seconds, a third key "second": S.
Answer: {"hour": 9, "minute": 14, "second": 21}
